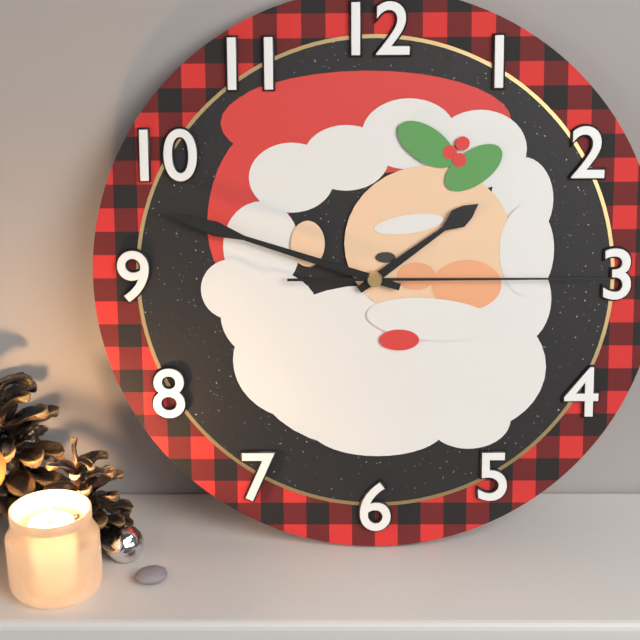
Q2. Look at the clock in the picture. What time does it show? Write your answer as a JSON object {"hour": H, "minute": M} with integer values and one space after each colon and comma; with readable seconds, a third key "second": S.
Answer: {"hour": 1, "minute": 48, "second": 15}
